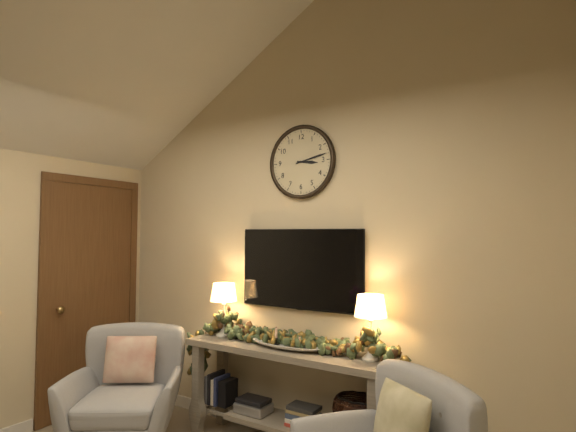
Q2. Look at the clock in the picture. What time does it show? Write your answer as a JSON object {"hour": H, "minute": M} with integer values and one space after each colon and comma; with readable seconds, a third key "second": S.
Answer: {"hour": 3, "minute": 13}
